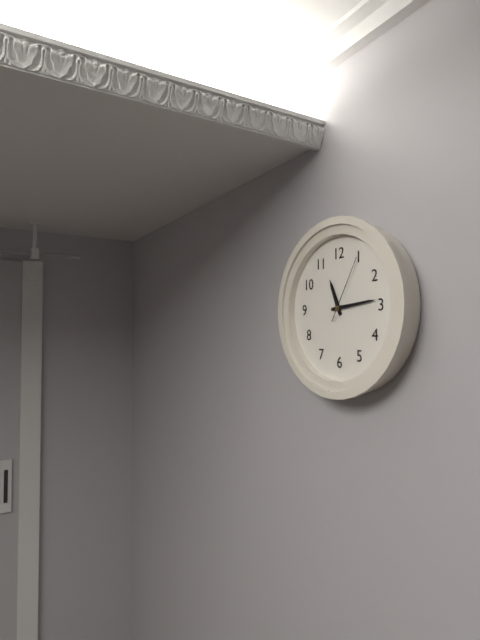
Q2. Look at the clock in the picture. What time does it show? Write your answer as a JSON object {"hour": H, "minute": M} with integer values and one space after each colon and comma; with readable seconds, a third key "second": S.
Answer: {"hour": 11, "minute": 14, "second": 5}
